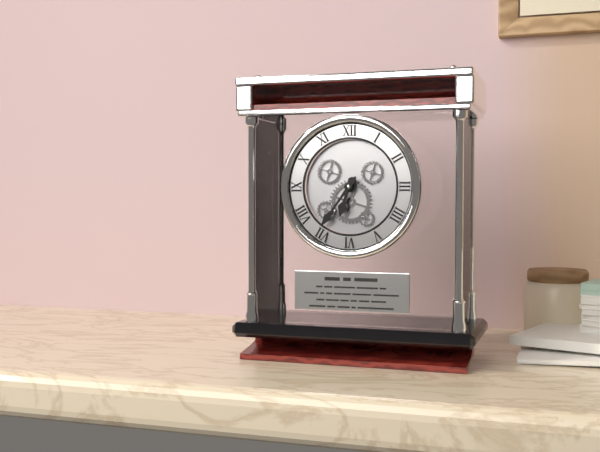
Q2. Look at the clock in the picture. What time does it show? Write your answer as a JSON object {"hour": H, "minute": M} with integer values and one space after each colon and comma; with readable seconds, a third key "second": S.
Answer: {"hour": 6, "minute": 36}
